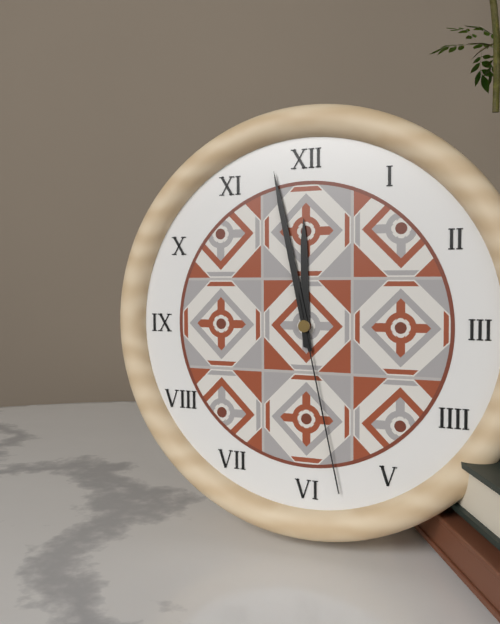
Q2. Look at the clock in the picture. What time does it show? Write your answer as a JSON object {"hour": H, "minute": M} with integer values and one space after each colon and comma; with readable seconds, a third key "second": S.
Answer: {"hour": 11, "minute": 58, "second": 28}
